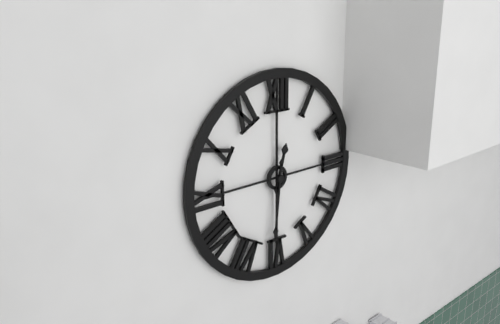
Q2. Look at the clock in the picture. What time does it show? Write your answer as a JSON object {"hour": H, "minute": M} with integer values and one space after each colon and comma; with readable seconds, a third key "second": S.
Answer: {"hour": 12, "minute": 31}
